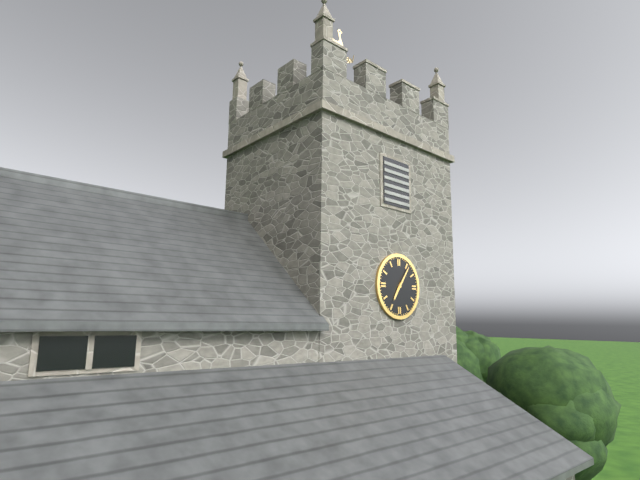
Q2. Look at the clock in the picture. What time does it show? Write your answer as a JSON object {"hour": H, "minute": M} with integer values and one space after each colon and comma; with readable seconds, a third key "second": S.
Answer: {"hour": 7, "minute": 6}
